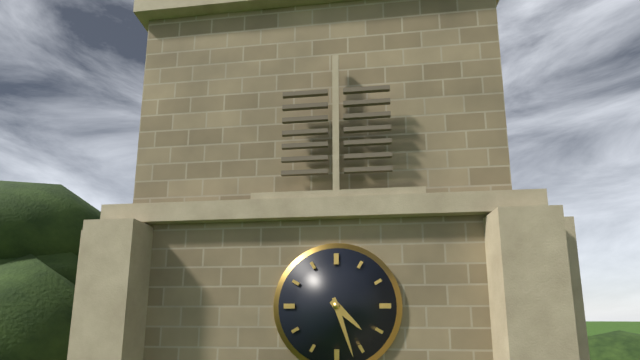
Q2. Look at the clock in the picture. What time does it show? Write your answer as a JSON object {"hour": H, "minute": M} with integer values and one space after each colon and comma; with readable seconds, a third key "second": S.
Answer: {"hour": 4, "minute": 27}
